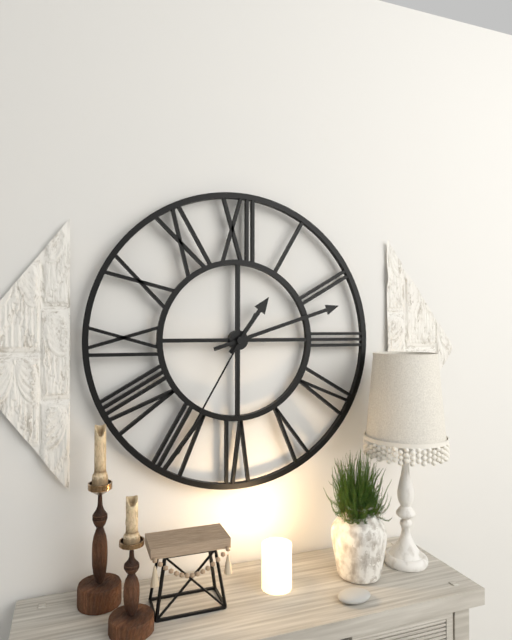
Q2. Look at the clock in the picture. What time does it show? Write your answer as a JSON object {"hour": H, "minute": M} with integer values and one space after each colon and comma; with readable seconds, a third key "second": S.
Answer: {"hour": 1, "minute": 12, "second": 35}
